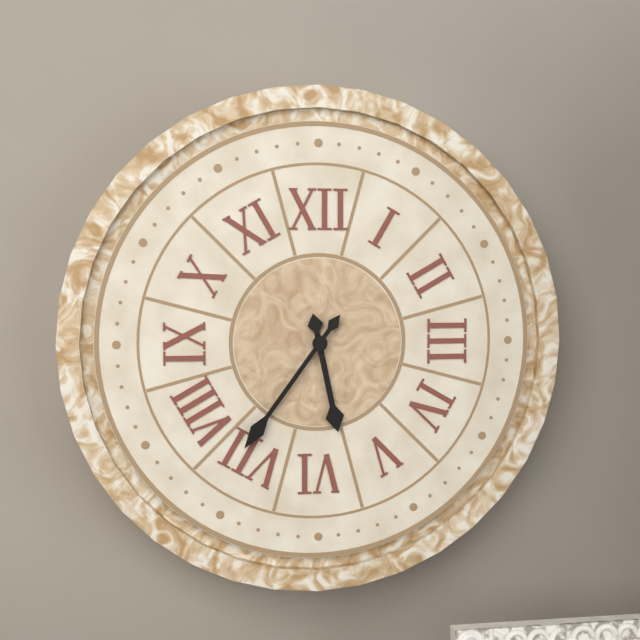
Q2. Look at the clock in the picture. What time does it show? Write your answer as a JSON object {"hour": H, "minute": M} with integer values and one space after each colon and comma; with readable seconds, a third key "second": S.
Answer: {"hour": 5, "minute": 36}
